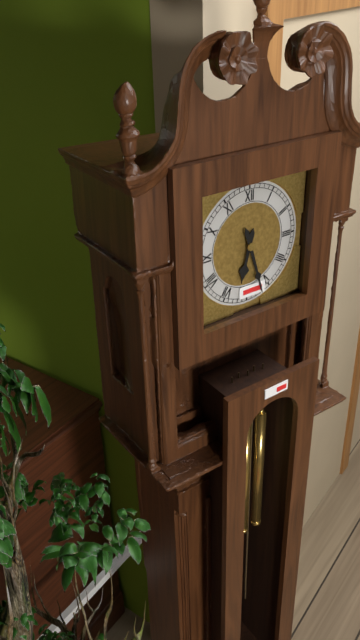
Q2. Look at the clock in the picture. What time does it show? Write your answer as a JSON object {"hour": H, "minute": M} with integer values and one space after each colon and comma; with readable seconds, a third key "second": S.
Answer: {"hour": 6, "minute": 27}
